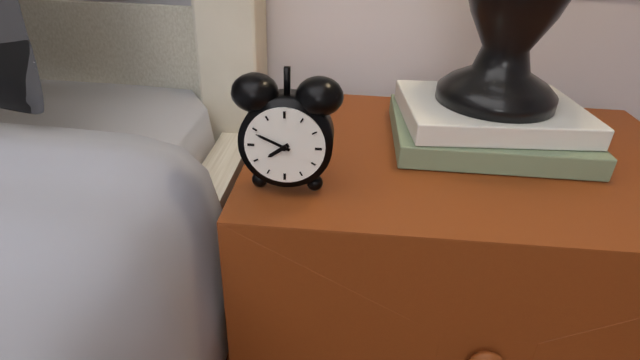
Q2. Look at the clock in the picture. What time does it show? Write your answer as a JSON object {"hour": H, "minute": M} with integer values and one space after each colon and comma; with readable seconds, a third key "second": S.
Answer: {"hour": 7, "minute": 49}
